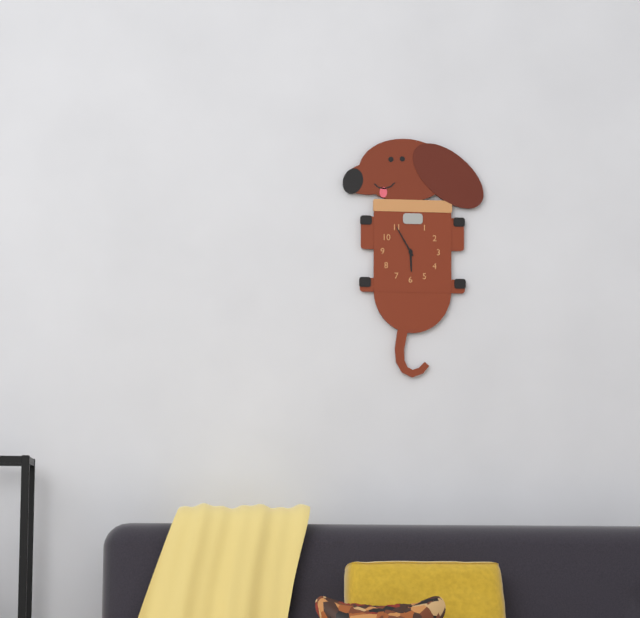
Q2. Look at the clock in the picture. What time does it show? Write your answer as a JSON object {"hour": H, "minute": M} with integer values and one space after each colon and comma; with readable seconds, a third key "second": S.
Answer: {"hour": 5, "minute": 55}
